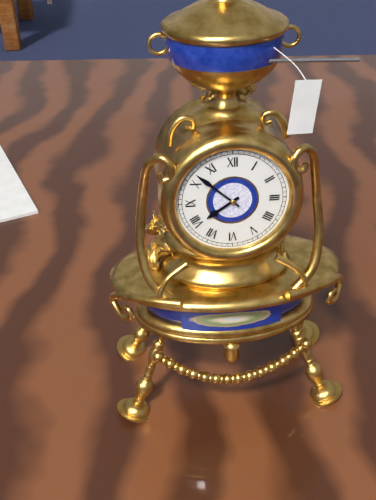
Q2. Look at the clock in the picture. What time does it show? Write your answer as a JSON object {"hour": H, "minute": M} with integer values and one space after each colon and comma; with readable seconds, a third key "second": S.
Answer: {"hour": 7, "minute": 52}
